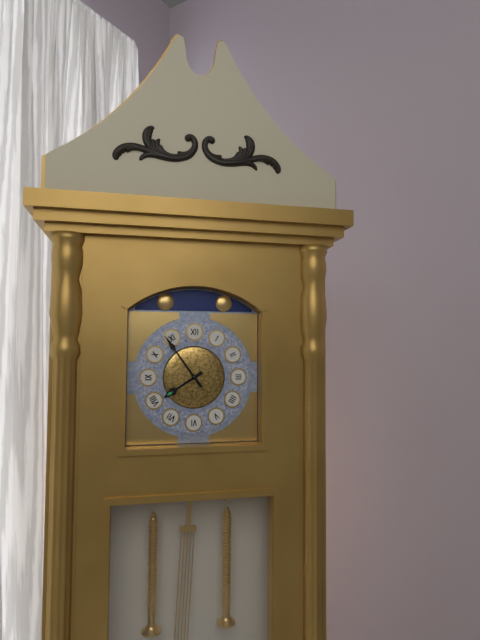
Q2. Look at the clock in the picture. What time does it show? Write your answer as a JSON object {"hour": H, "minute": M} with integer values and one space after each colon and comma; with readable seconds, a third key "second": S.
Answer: {"hour": 7, "minute": 54}
